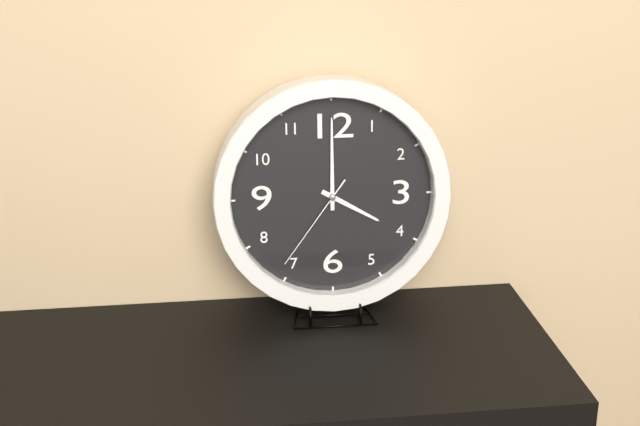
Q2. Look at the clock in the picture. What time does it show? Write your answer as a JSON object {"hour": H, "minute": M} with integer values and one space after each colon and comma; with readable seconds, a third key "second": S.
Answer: {"hour": 4, "minute": 0, "second": 36}
